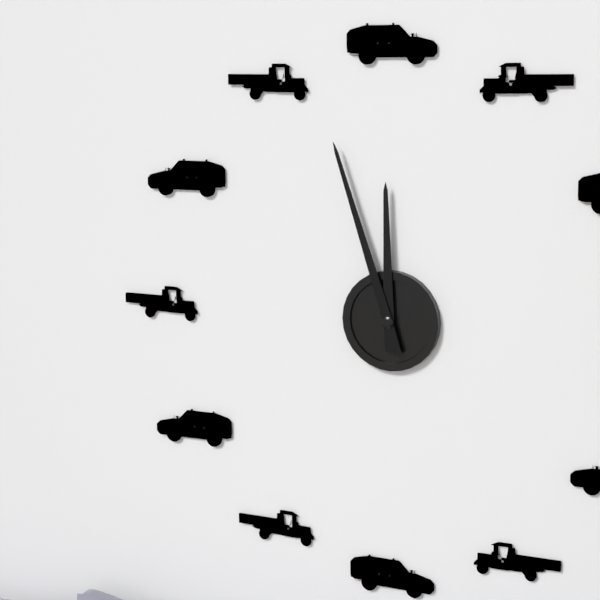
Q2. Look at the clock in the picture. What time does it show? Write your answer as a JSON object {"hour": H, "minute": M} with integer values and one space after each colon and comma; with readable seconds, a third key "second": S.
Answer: {"hour": 11, "minute": 57}
